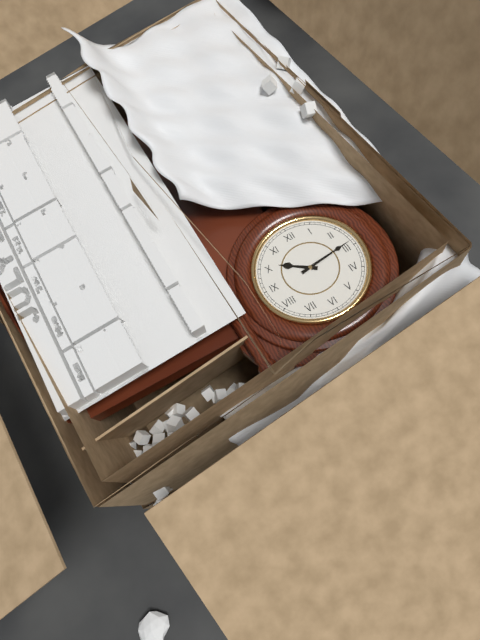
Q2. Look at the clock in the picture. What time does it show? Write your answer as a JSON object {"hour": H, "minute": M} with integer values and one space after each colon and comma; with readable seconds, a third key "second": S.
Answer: {"hour": 10, "minute": 14}
